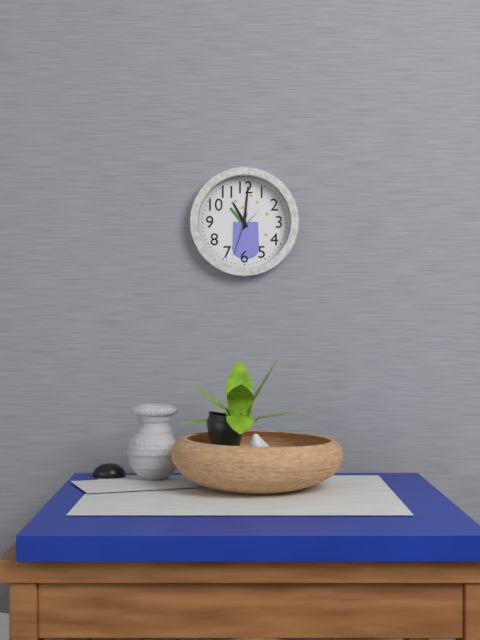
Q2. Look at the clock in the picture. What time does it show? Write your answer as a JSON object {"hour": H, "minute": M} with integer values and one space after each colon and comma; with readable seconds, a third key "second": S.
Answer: {"hour": 11, "minute": 1}
